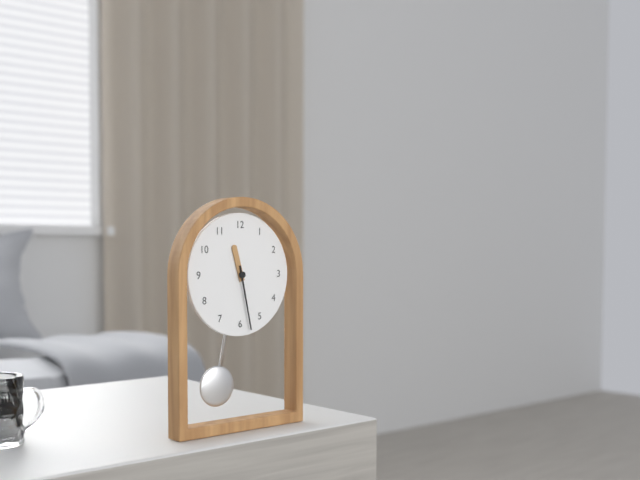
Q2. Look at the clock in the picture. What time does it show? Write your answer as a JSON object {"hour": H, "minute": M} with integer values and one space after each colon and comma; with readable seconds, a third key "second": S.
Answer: {"hour": 11, "minute": 28}
